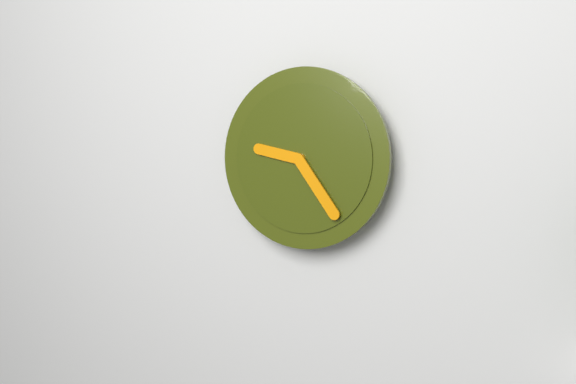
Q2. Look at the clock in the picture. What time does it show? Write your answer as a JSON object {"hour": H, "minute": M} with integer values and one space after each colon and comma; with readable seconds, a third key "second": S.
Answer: {"hour": 9, "minute": 24}
